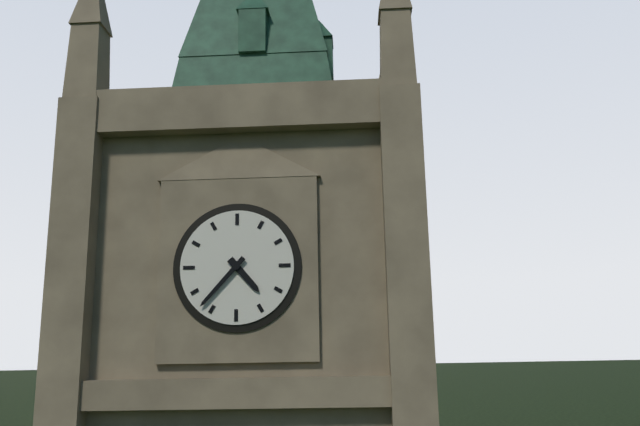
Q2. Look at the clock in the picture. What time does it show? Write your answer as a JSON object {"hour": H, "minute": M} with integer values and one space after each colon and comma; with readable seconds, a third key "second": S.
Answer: {"hour": 4, "minute": 37}
